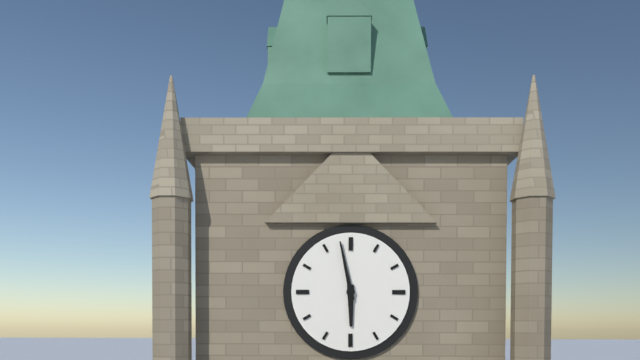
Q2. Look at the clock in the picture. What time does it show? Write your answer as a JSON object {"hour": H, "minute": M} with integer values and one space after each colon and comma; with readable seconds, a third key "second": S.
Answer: {"hour": 5, "minute": 58}
